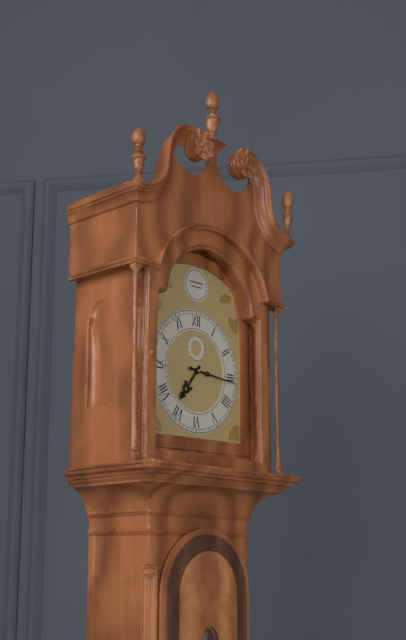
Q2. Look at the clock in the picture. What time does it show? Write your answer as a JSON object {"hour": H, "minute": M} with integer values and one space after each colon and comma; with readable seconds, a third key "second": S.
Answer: {"hour": 7, "minute": 16}
